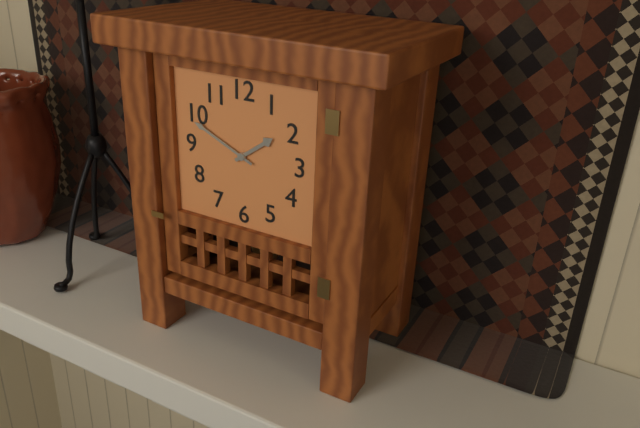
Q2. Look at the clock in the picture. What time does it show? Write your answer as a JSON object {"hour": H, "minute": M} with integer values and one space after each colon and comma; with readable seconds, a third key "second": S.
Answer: {"hour": 1, "minute": 49}
